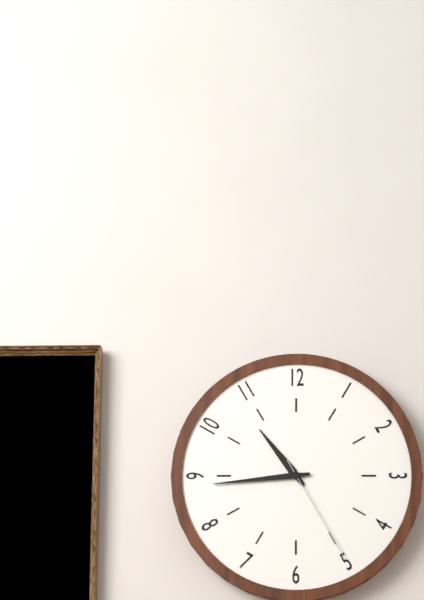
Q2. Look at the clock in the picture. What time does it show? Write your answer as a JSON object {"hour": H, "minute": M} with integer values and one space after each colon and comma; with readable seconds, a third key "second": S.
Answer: {"hour": 10, "minute": 44, "second": 25}
